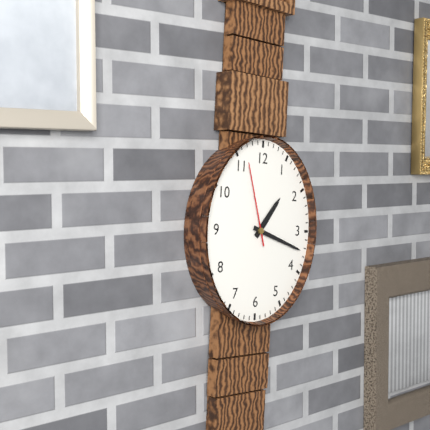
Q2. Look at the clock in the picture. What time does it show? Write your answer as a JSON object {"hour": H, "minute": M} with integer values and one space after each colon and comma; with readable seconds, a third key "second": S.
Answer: {"hour": 1, "minute": 18, "second": 57}
